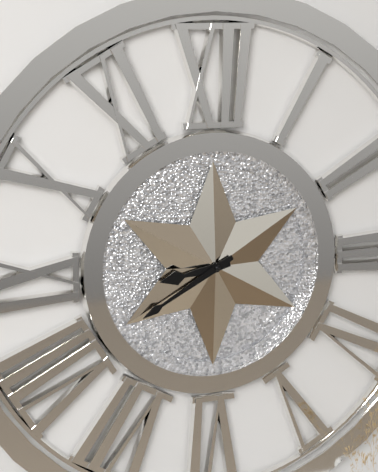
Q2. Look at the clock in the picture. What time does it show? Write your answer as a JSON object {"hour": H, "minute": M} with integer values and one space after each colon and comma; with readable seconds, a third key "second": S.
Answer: {"hour": 8, "minute": 40}
